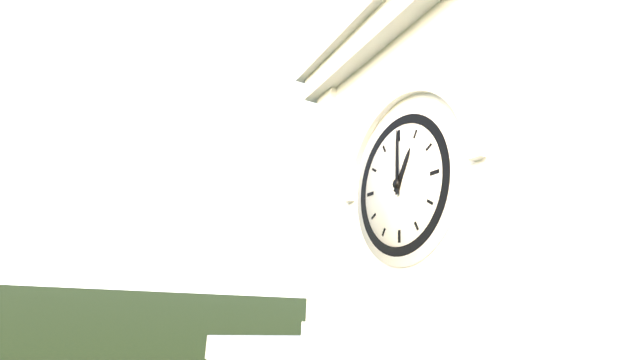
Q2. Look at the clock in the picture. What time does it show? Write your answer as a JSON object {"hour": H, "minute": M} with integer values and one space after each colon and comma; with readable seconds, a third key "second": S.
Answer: {"hour": 1, "minute": 0}
